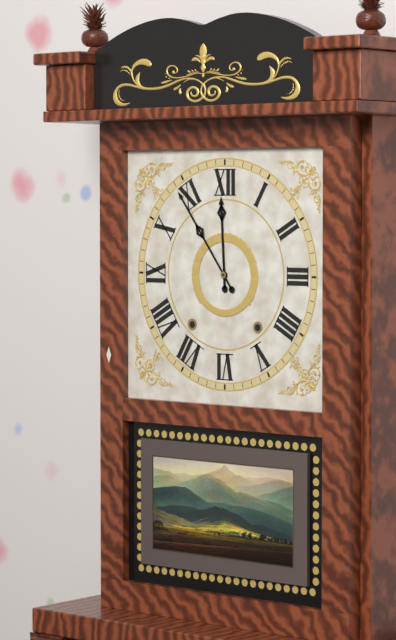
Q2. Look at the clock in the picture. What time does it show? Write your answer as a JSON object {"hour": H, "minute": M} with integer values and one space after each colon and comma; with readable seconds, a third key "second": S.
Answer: {"hour": 11, "minute": 54}
